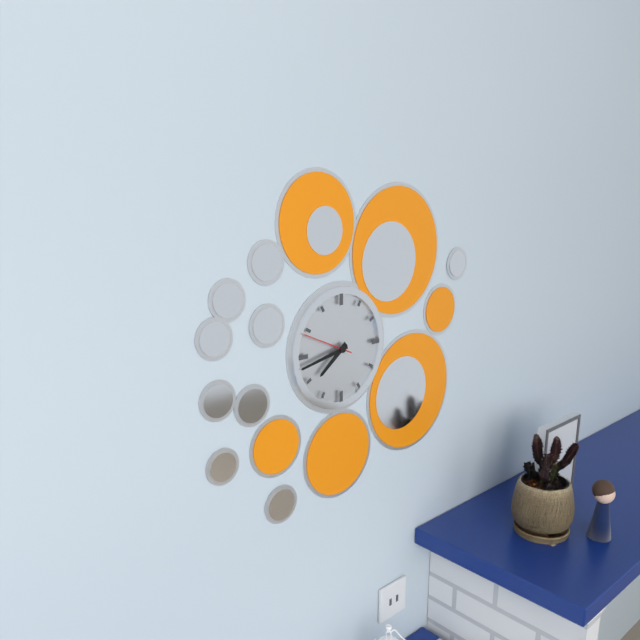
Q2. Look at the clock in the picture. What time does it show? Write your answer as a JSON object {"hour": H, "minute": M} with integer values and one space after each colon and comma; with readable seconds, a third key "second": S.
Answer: {"hour": 7, "minute": 43, "second": 49}
